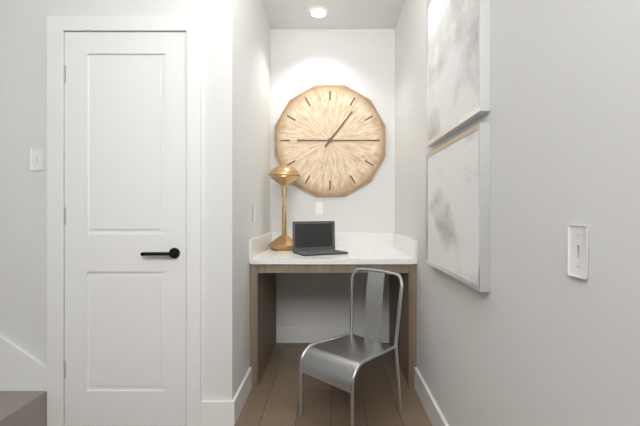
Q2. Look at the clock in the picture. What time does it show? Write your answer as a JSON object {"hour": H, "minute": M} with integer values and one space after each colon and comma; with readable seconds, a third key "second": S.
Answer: {"hour": 1, "minute": 15}
